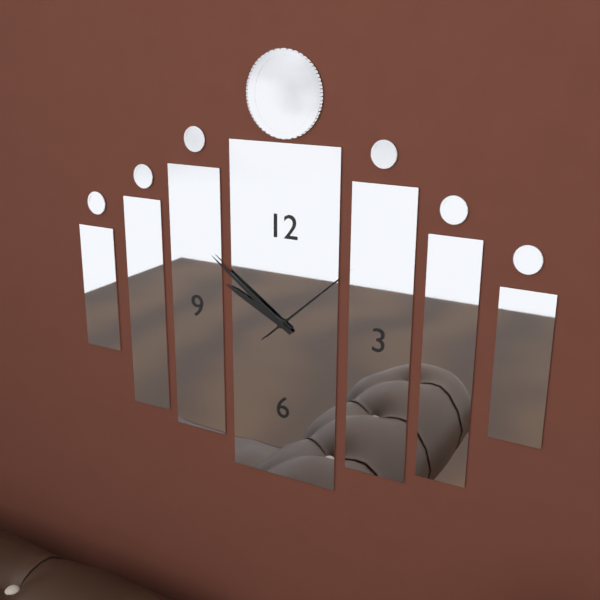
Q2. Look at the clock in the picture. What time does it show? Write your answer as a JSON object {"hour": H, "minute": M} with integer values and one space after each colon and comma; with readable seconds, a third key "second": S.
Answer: {"hour": 9, "minute": 51, "second": 8}
